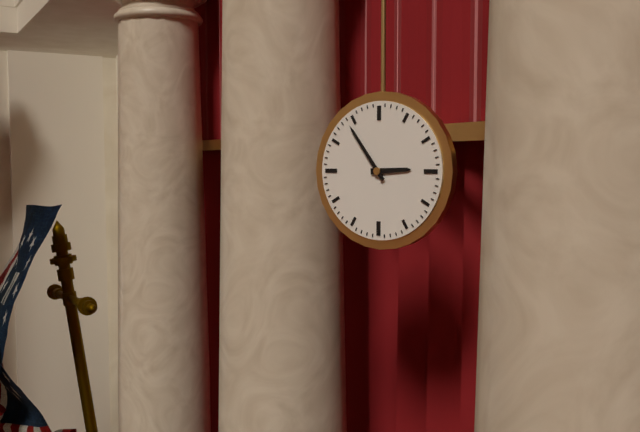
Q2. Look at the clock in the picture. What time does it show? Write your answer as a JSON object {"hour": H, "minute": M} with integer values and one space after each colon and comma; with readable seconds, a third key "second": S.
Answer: {"hour": 2, "minute": 54}
